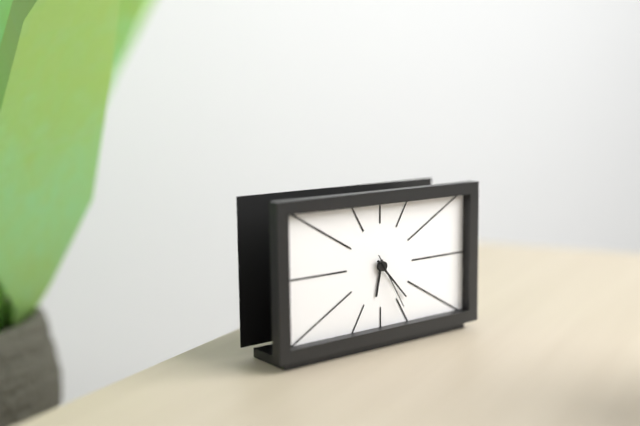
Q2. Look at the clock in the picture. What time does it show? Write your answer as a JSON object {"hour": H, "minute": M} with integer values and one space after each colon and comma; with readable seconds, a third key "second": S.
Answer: {"hour": 6, "minute": 23, "second": 25}
